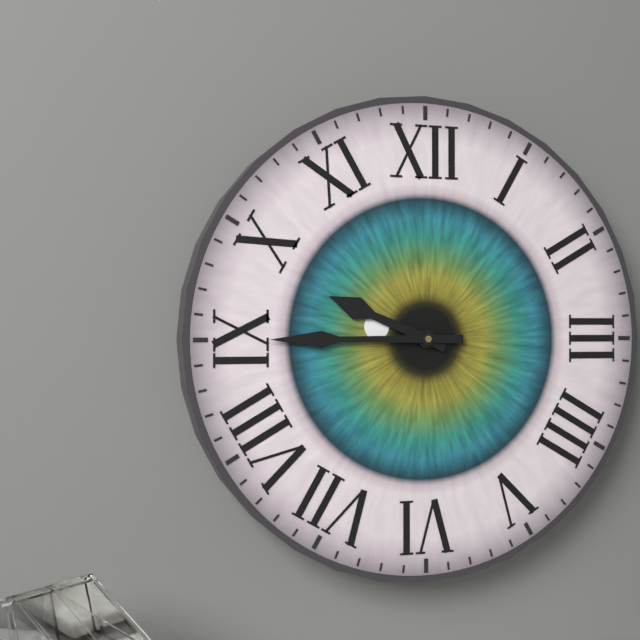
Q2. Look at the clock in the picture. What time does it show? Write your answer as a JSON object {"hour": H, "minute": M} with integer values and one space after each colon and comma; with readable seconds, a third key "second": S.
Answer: {"hour": 9, "minute": 45}
